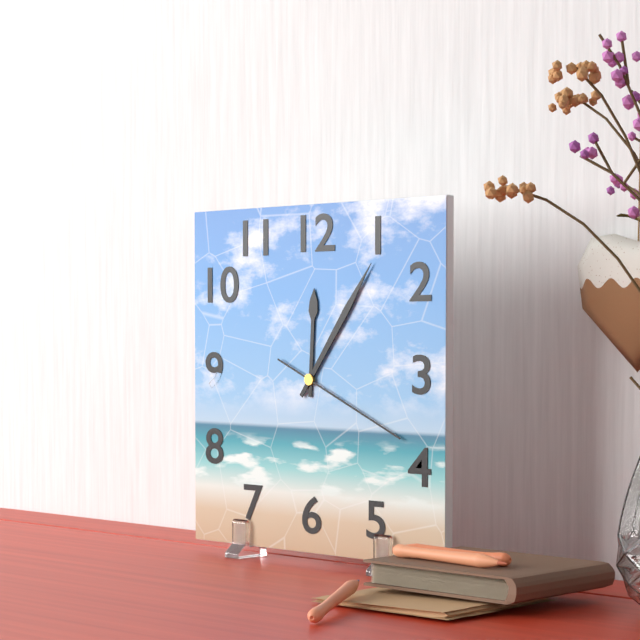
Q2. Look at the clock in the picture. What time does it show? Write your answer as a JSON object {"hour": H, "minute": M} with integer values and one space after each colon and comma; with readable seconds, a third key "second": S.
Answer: {"hour": 12, "minute": 6, "second": 19}
